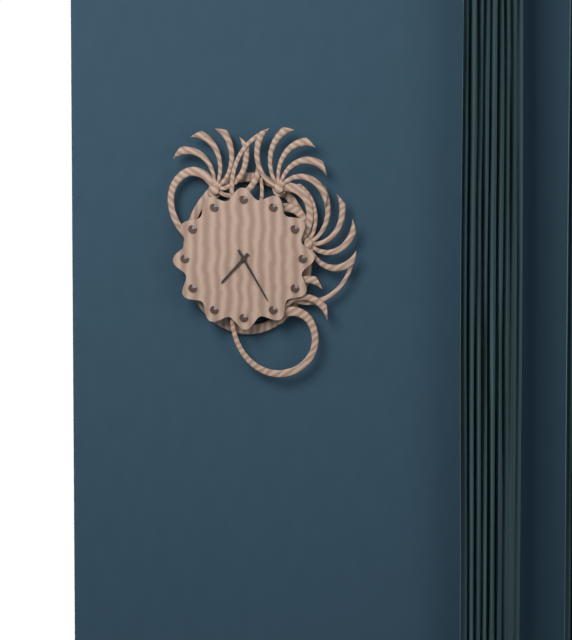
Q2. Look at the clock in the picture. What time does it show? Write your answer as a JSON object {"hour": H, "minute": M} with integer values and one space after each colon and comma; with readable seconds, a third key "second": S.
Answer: {"hour": 7, "minute": 25}
